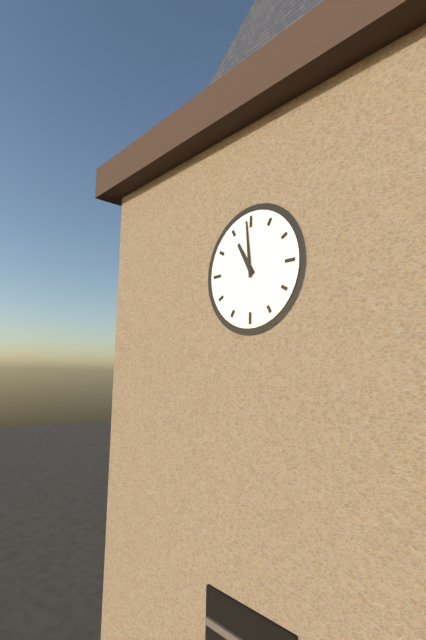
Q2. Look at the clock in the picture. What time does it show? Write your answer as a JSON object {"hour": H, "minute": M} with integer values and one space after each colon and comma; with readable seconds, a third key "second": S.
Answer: {"hour": 10, "minute": 59}
